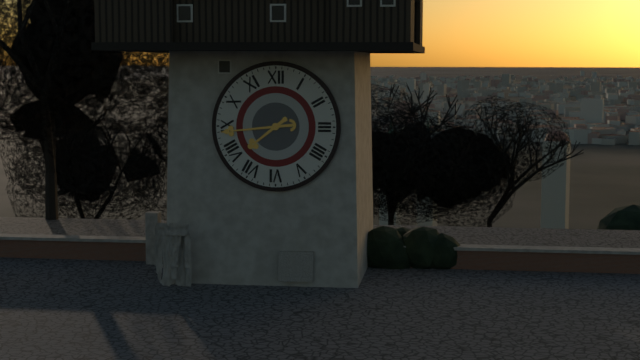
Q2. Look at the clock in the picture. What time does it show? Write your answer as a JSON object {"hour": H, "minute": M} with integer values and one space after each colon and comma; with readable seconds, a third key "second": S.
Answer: {"hour": 7, "minute": 44}
